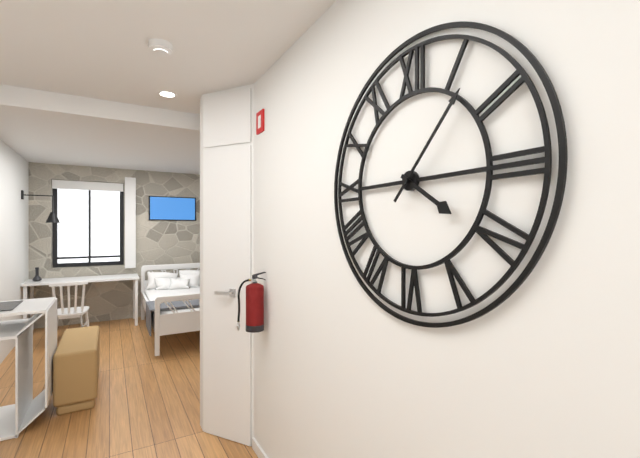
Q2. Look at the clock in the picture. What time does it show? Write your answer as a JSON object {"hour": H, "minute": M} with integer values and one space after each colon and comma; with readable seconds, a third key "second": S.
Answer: {"hour": 4, "minute": 7}
